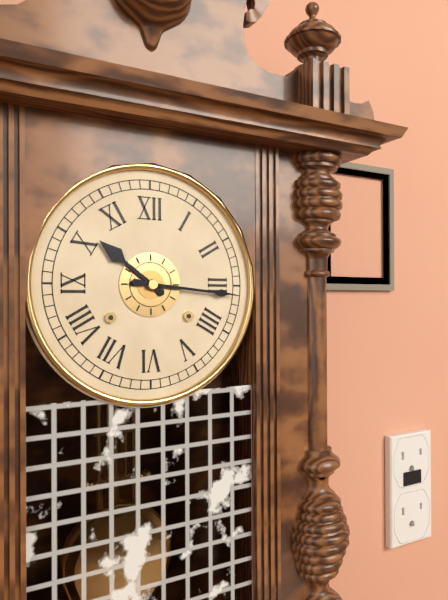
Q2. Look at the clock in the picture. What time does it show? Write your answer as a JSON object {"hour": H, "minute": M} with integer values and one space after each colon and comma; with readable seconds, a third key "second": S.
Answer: {"hour": 10, "minute": 16}
